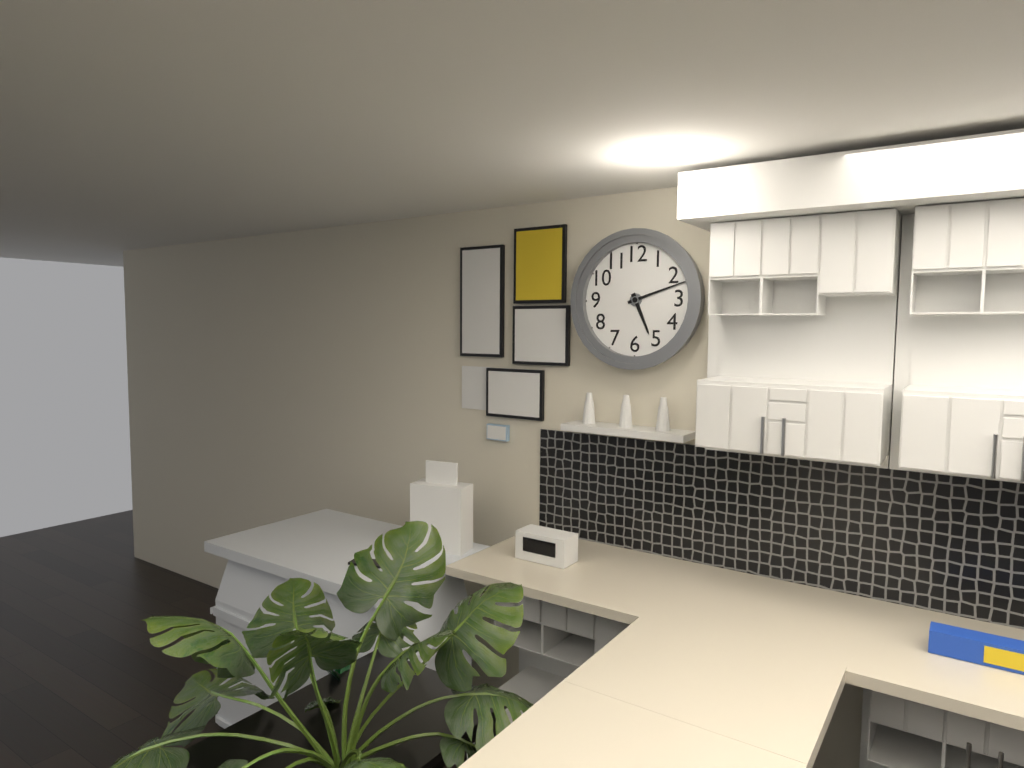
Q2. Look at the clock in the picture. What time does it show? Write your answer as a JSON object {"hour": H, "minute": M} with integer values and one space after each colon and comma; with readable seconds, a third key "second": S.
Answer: {"hour": 5, "minute": 12}
